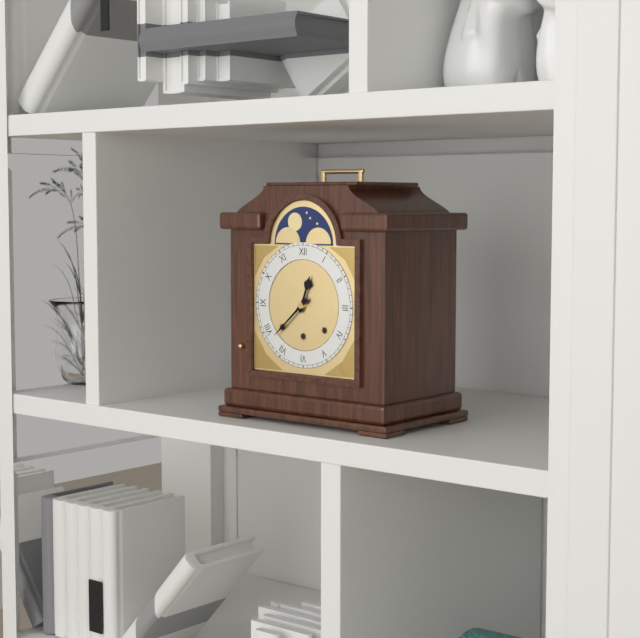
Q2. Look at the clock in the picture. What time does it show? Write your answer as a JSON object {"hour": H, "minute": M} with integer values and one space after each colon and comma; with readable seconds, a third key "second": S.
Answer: {"hour": 12, "minute": 38}
